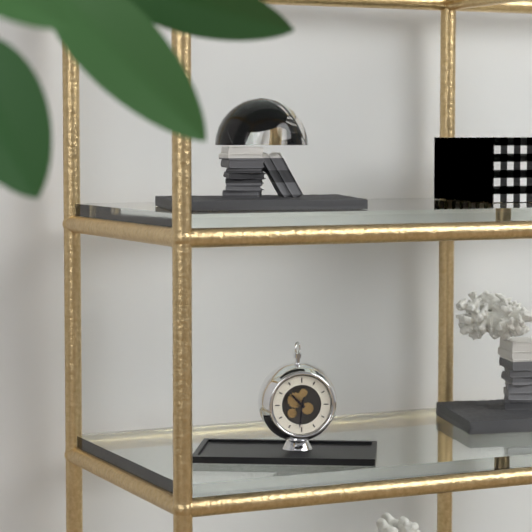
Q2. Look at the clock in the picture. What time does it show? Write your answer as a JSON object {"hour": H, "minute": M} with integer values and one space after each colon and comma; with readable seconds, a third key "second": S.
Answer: {"hour": 10, "minute": 31}
